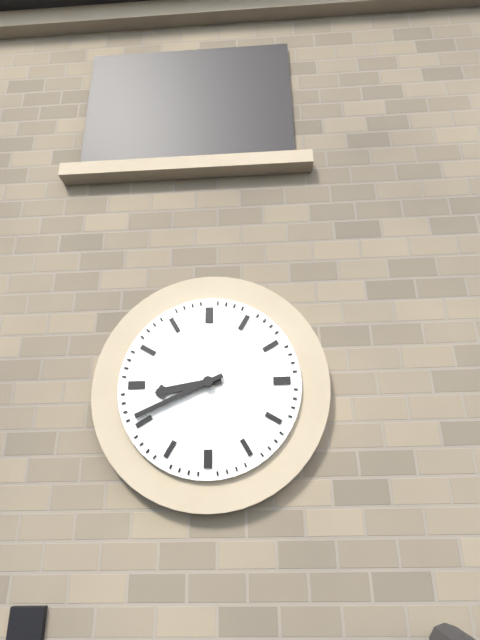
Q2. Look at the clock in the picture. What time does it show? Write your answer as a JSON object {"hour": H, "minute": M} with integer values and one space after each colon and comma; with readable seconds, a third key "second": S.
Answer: {"hour": 8, "minute": 41}
